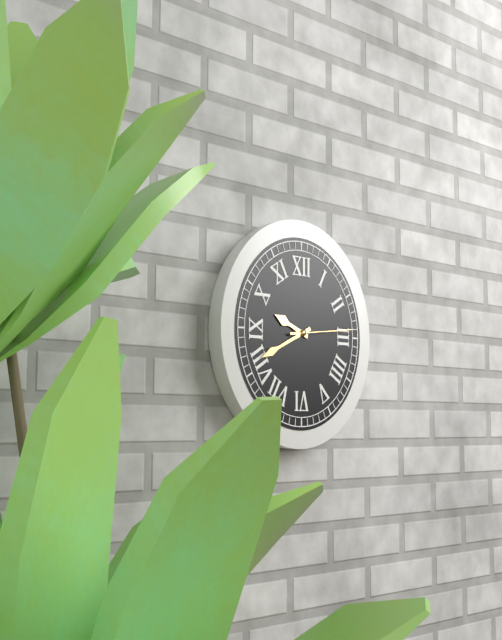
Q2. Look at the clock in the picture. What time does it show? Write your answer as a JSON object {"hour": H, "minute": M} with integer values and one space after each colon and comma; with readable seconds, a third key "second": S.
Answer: {"hour": 9, "minute": 41, "second": 14}
